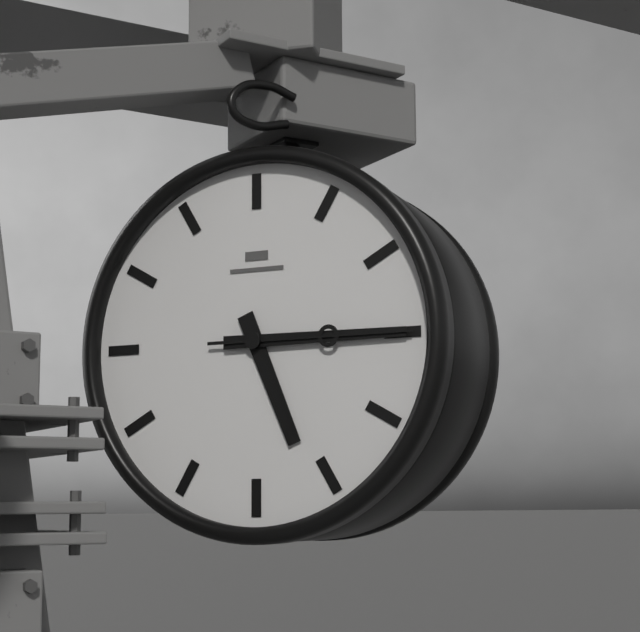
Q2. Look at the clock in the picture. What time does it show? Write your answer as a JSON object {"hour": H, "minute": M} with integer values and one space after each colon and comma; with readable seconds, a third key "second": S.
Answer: {"hour": 5, "minute": 15, "second": 15}
